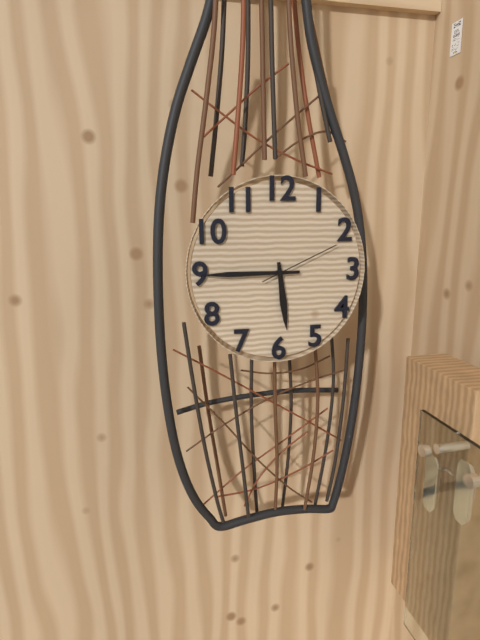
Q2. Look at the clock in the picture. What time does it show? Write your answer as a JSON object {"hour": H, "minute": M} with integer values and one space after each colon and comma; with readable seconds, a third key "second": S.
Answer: {"hour": 5, "minute": 45, "second": 11}
